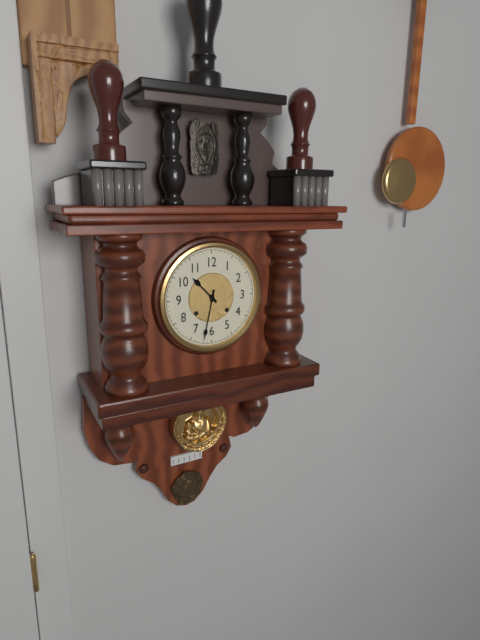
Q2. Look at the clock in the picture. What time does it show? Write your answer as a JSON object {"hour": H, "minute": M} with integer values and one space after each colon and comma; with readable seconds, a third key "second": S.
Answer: {"hour": 10, "minute": 32}
